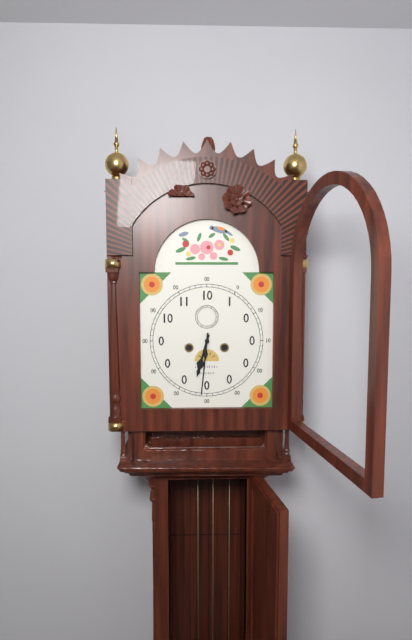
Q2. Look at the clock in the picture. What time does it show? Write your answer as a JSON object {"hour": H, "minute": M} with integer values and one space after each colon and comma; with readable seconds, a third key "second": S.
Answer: {"hour": 6, "minute": 31}
